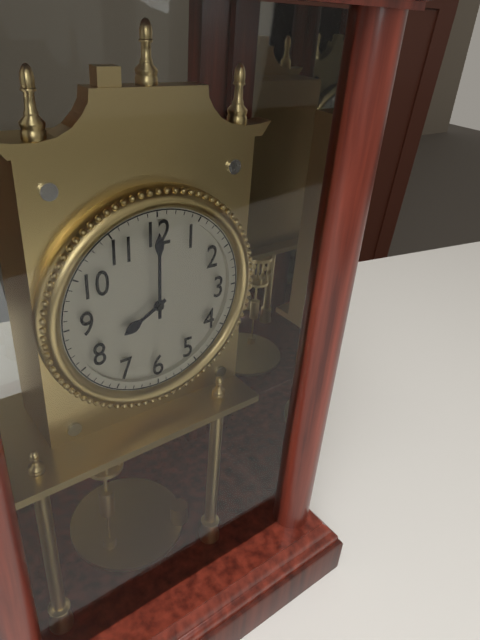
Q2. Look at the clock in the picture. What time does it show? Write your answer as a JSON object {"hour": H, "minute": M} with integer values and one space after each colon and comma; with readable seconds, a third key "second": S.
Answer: {"hour": 8, "minute": 0}
